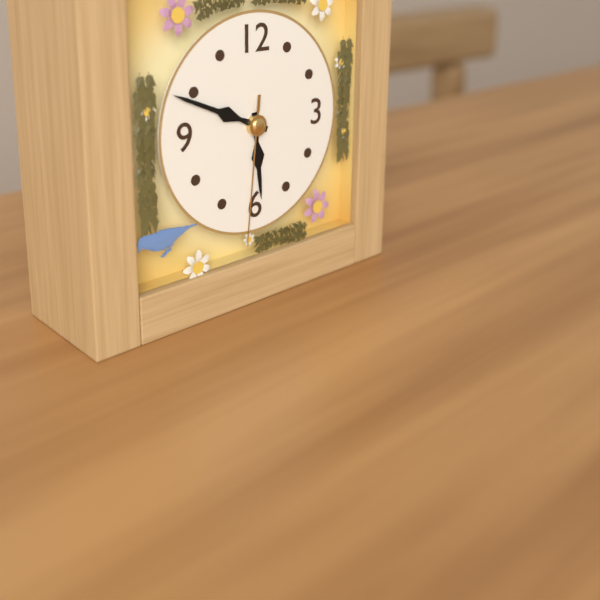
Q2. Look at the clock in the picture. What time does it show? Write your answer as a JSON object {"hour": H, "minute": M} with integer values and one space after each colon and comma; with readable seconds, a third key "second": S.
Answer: {"hour": 5, "minute": 49, "second": 31}
